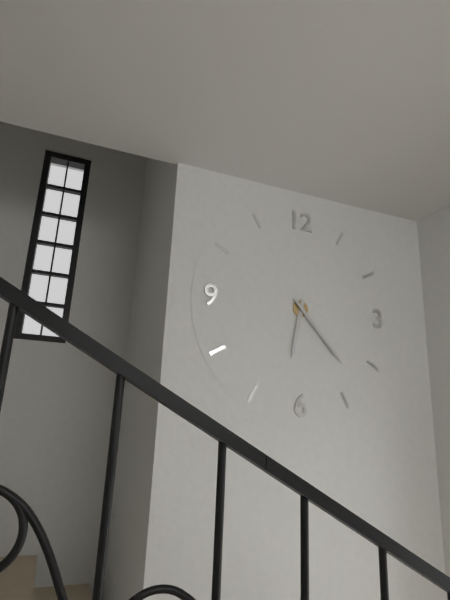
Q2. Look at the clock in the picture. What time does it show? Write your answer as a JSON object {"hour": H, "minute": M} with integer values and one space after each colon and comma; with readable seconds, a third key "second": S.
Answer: {"hour": 6, "minute": 23}
